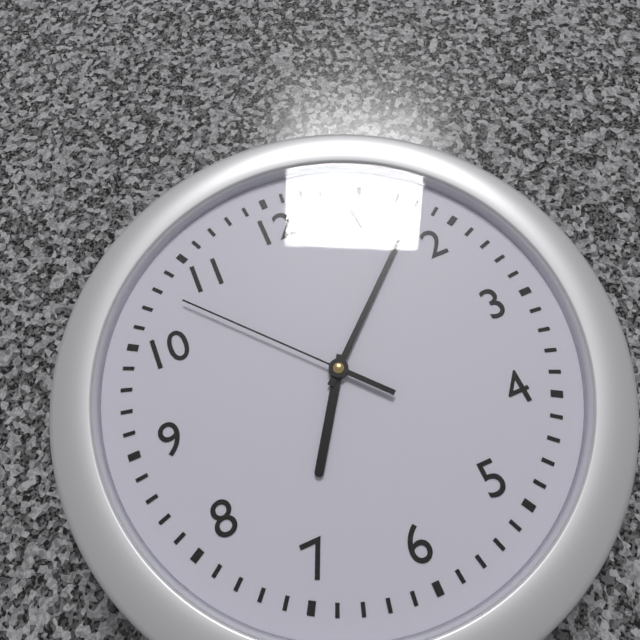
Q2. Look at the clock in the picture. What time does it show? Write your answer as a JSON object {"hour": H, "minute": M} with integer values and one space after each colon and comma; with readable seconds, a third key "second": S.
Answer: {"hour": 7, "minute": 8, "second": 53}
